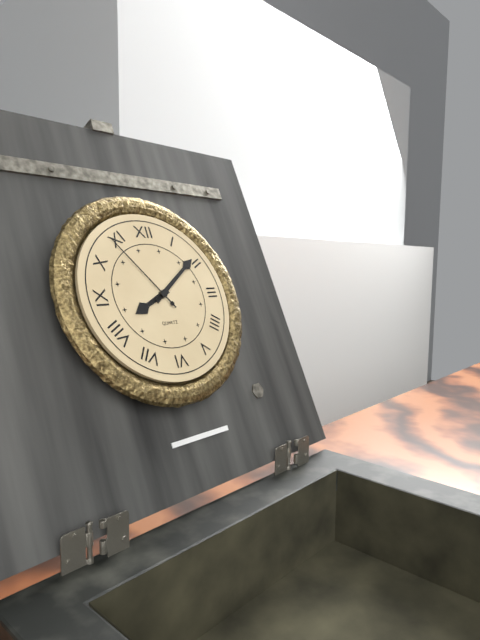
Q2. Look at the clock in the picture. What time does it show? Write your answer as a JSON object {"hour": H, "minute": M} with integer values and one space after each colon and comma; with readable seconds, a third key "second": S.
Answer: {"hour": 8, "minute": 9, "second": 54}
